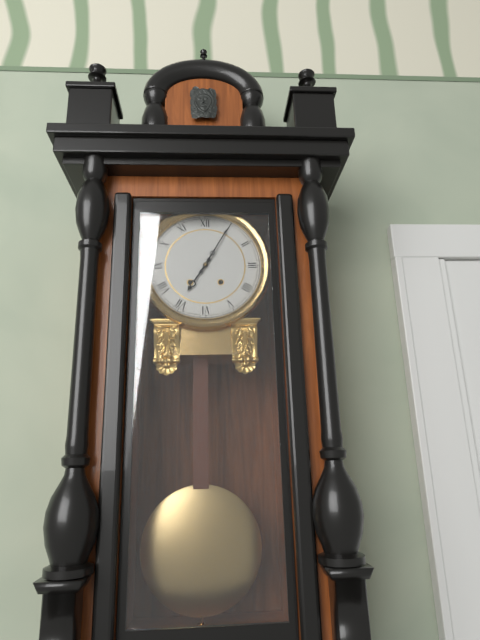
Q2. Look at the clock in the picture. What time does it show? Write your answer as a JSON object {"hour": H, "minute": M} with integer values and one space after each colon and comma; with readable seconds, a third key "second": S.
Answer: {"hour": 7, "minute": 5}
